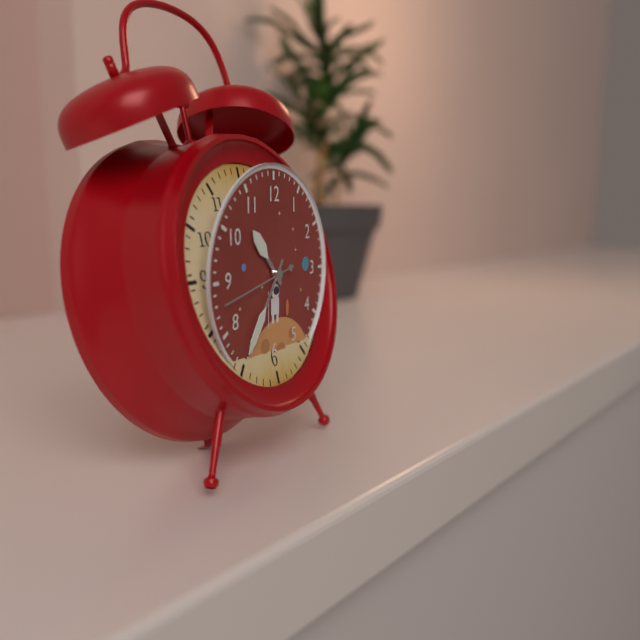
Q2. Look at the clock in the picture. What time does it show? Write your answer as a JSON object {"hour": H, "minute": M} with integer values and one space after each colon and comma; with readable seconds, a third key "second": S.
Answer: {"hour": 10, "minute": 36, "second": 43}
